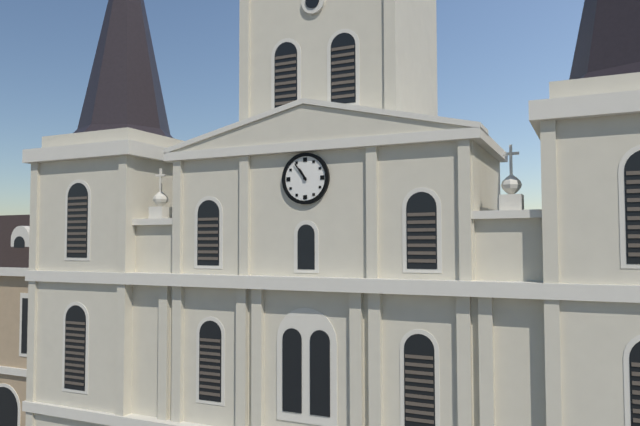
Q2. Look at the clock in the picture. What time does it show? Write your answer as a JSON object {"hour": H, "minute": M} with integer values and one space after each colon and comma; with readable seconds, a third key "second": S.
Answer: {"hour": 10, "minute": 54}
